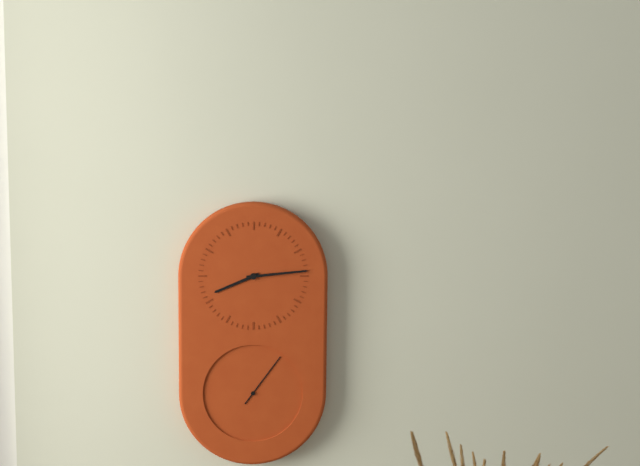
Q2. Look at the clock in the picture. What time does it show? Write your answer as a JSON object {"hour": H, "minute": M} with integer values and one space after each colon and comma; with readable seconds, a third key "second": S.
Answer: {"hour": 8, "minute": 14, "second": 6}
